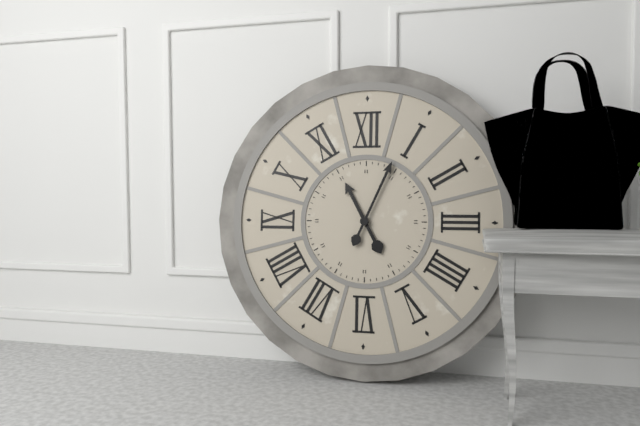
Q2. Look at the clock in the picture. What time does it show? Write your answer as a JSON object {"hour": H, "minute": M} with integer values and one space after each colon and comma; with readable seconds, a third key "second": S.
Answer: {"hour": 11, "minute": 4}
